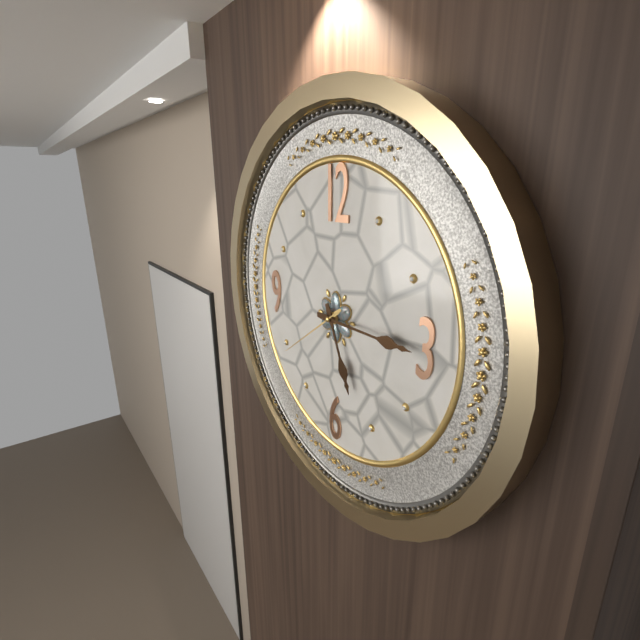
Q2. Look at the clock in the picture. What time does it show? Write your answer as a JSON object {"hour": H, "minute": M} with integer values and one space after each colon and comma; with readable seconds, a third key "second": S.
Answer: {"hour": 5, "minute": 15, "second": 39}
